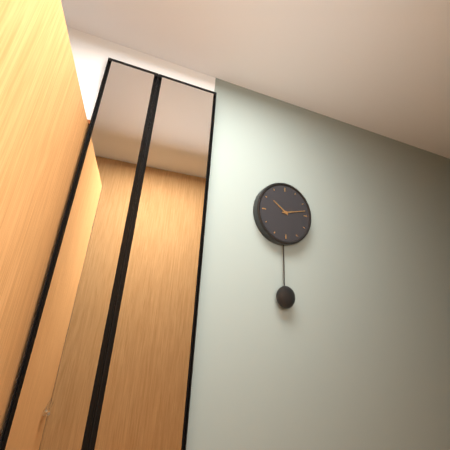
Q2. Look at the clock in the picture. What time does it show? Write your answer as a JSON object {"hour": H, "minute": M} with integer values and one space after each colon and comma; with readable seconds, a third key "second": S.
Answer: {"hour": 10, "minute": 13}
